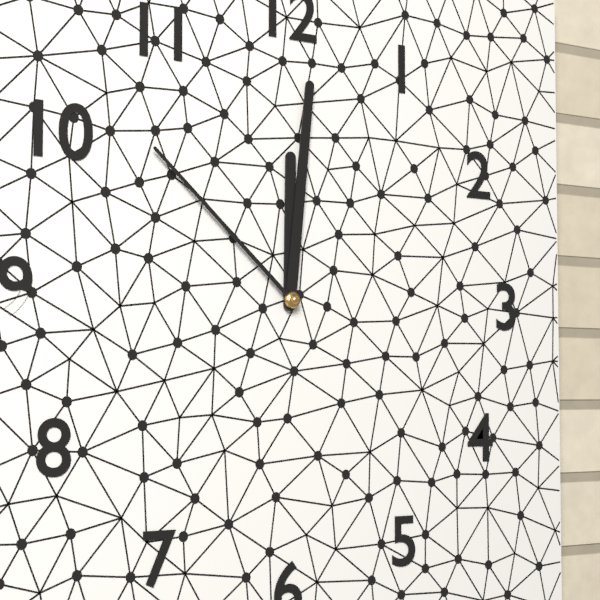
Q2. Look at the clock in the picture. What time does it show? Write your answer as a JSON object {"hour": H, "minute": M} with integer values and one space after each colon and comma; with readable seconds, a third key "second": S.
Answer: {"hour": 12, "minute": 1, "second": 52}
